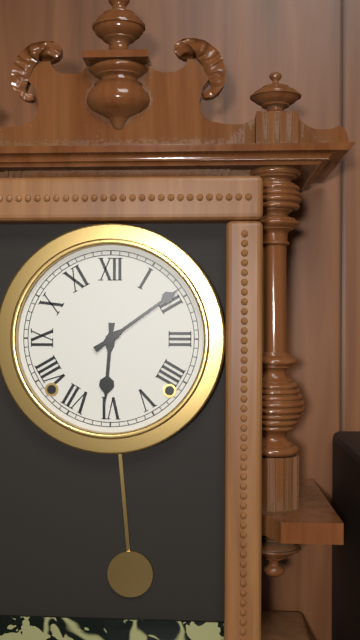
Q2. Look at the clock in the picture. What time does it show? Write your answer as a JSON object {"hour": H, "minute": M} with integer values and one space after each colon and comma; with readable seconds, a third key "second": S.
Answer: {"hour": 6, "minute": 9}
